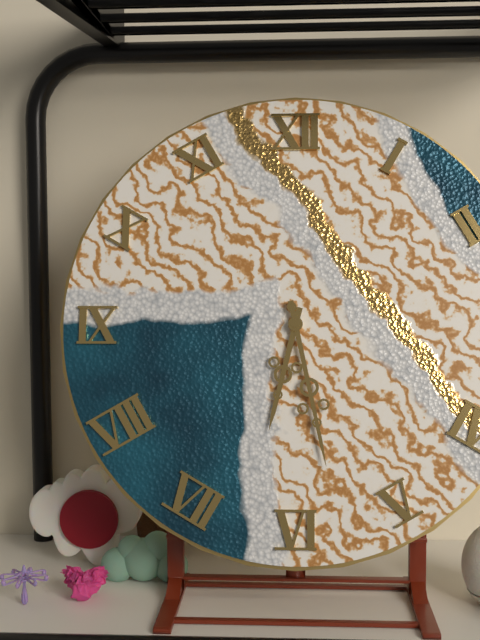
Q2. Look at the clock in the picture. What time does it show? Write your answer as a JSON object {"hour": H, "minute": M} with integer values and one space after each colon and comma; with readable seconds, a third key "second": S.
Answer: {"hour": 6, "minute": 28}
